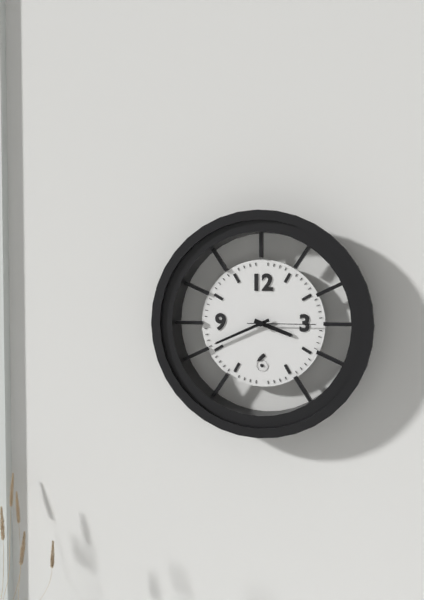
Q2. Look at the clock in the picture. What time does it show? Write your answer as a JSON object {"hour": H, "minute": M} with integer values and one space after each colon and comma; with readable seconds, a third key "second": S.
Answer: {"hour": 3, "minute": 41, "second": 15}
